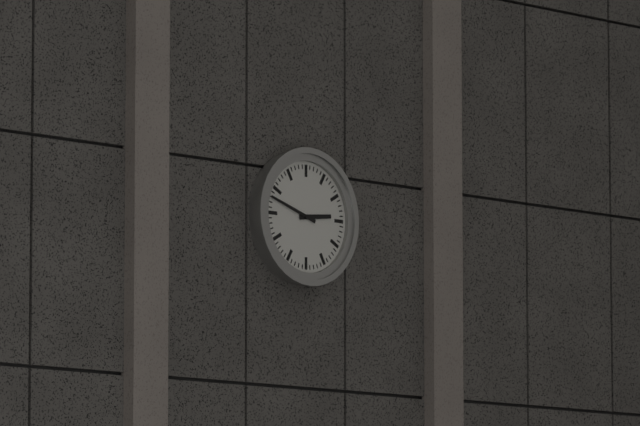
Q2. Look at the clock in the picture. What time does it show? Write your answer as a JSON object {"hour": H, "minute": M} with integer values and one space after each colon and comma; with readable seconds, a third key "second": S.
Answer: {"hour": 2, "minute": 48}
